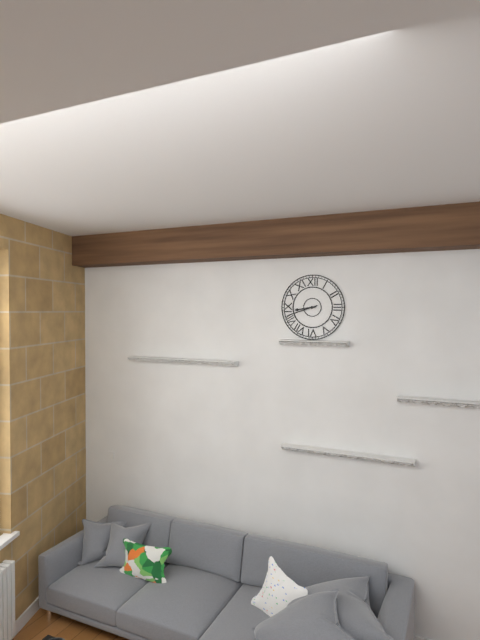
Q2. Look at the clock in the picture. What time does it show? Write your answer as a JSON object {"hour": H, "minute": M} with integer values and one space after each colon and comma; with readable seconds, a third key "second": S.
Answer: {"hour": 8, "minute": 42}
